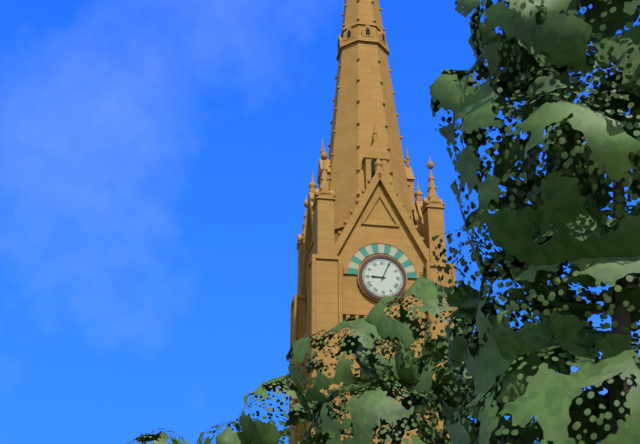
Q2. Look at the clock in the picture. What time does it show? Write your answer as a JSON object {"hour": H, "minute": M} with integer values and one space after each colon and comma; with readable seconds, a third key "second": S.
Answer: {"hour": 9, "minute": 4}
